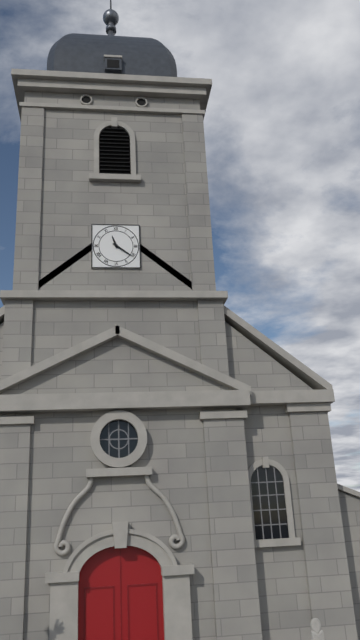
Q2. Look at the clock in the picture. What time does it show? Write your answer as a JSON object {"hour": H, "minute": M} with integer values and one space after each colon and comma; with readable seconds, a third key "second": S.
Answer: {"hour": 11, "minute": 21}
